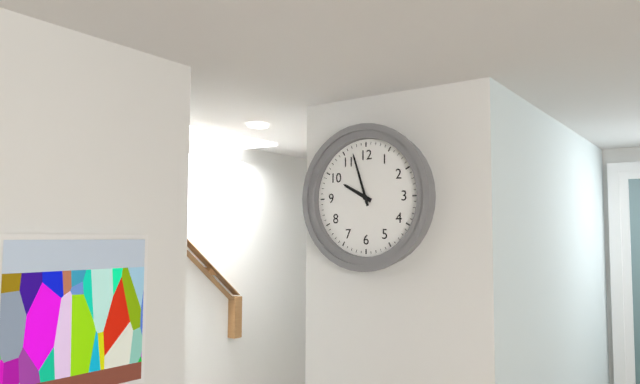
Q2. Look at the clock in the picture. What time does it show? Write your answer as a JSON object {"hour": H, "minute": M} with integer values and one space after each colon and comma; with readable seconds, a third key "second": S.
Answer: {"hour": 9, "minute": 57}
